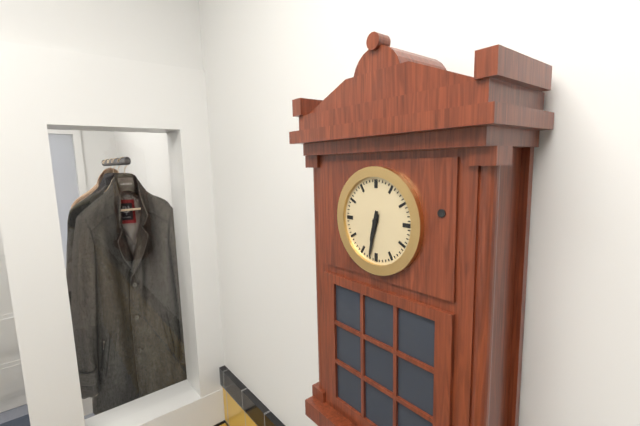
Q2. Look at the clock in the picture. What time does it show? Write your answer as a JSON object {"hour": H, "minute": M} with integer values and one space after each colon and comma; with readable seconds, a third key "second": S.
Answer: {"hour": 6, "minute": 32}
